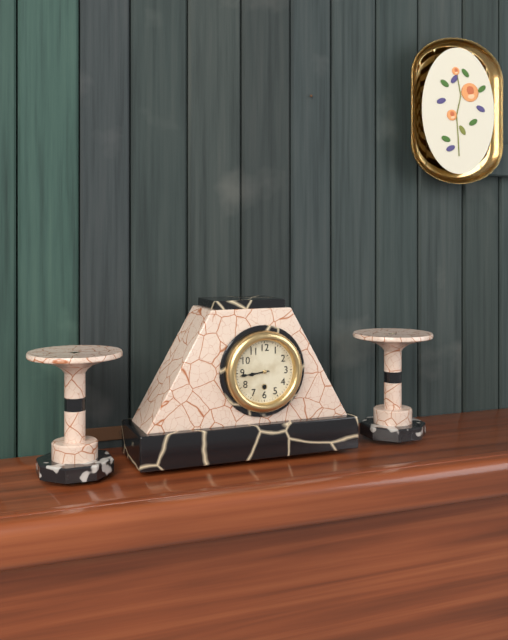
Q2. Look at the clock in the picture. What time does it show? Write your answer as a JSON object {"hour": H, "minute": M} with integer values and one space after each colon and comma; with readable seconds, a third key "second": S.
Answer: {"hour": 8, "minute": 44}
